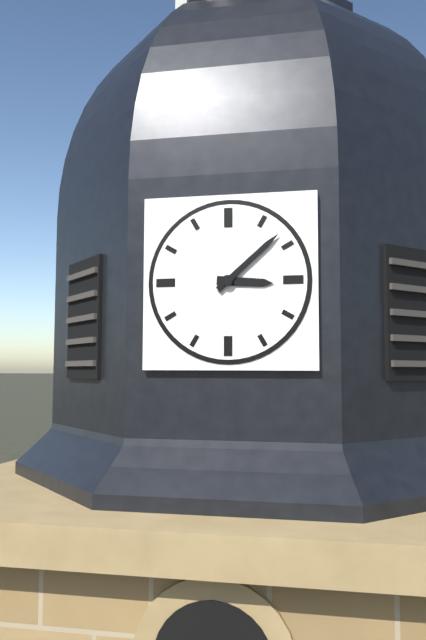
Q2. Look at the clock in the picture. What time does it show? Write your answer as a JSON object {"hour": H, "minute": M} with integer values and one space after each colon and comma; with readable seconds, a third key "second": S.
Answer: {"hour": 3, "minute": 8}
